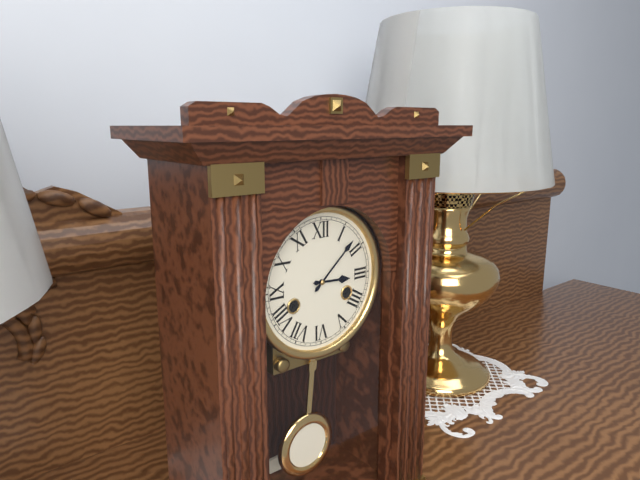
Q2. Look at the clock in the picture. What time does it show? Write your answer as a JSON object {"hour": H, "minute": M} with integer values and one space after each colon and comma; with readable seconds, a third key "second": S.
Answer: {"hour": 3, "minute": 8}
